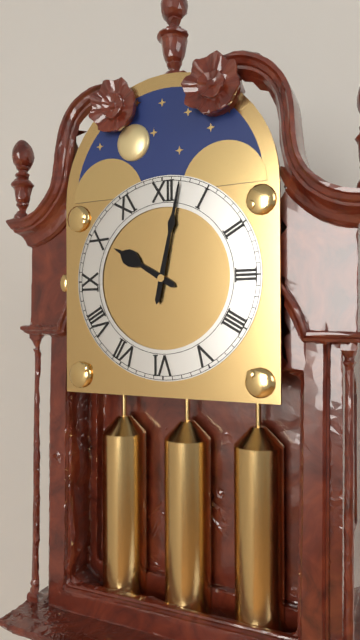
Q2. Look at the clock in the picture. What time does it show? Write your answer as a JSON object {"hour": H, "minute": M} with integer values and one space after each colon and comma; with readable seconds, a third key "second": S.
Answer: {"hour": 10, "minute": 2}
